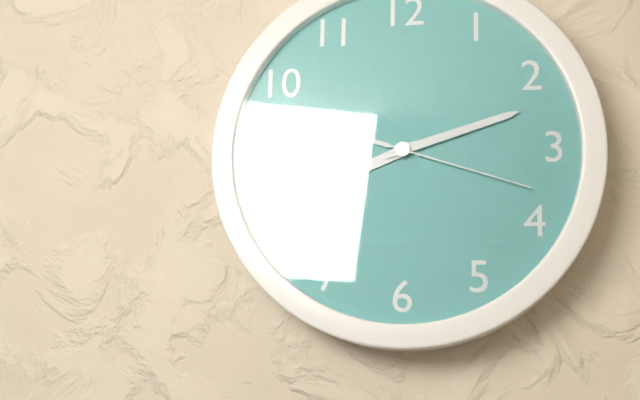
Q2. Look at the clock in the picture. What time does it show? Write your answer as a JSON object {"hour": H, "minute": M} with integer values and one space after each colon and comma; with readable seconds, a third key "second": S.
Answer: {"hour": 8, "minute": 12, "second": 18}
